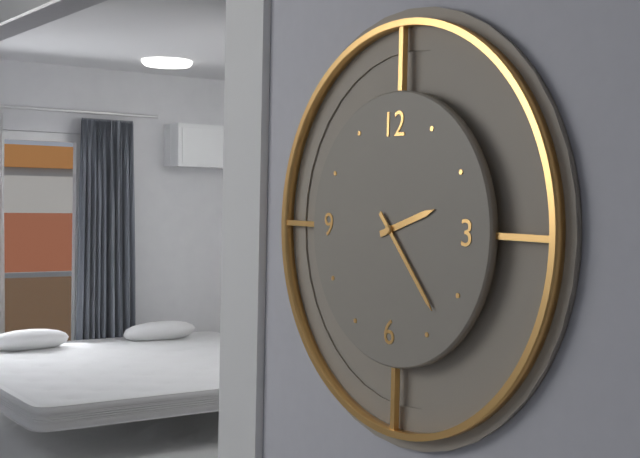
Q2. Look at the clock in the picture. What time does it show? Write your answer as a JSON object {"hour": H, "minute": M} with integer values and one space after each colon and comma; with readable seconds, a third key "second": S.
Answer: {"hour": 2, "minute": 23}
